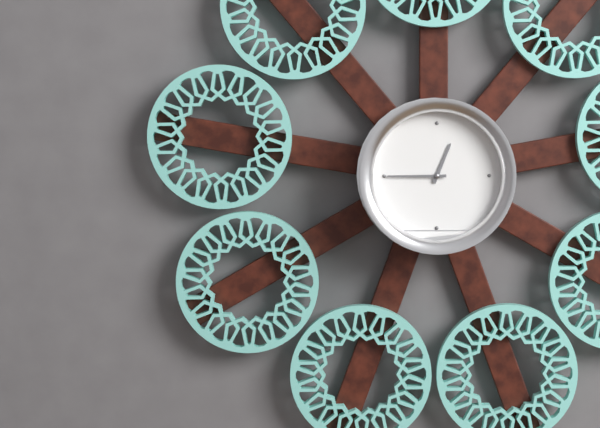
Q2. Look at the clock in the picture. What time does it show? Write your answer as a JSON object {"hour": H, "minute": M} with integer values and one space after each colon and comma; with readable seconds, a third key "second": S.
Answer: {"hour": 12, "minute": 45}
